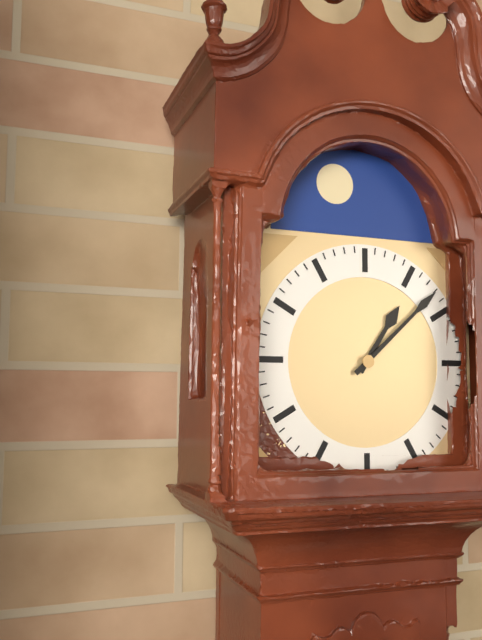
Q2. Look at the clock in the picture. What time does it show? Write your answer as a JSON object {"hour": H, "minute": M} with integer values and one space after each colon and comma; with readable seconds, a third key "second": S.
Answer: {"hour": 1, "minute": 8}
